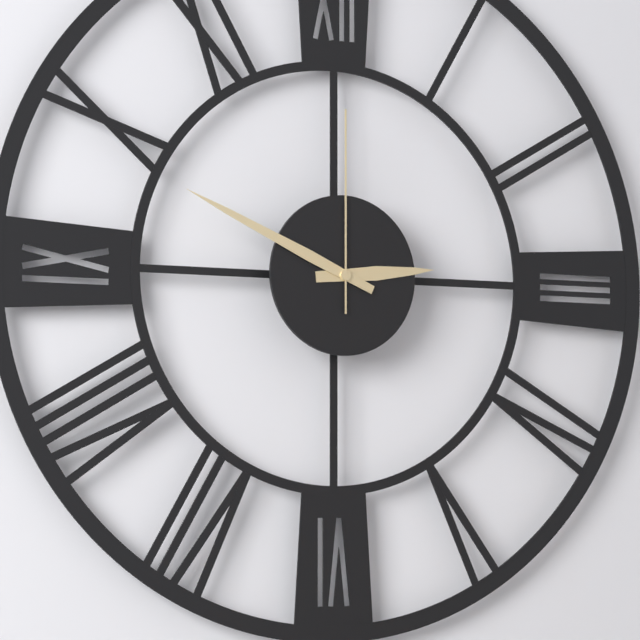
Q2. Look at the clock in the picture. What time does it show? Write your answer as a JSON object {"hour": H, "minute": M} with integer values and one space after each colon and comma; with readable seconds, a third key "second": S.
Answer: {"hour": 2, "minute": 49, "second": 0}
